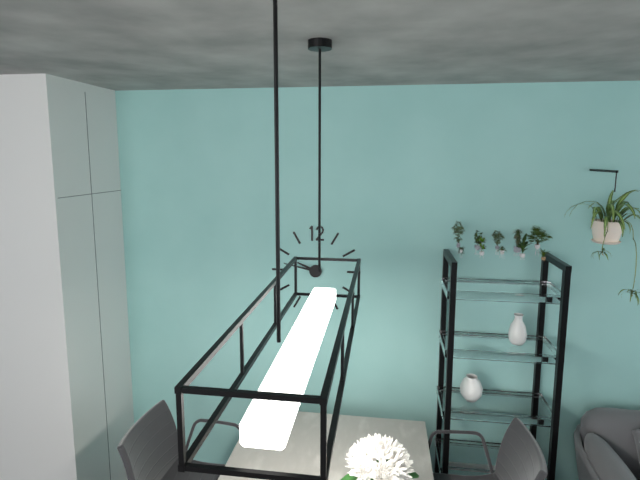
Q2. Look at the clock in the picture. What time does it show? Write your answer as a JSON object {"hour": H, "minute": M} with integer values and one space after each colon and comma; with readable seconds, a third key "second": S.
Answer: {"hour": 9, "minute": 47}
